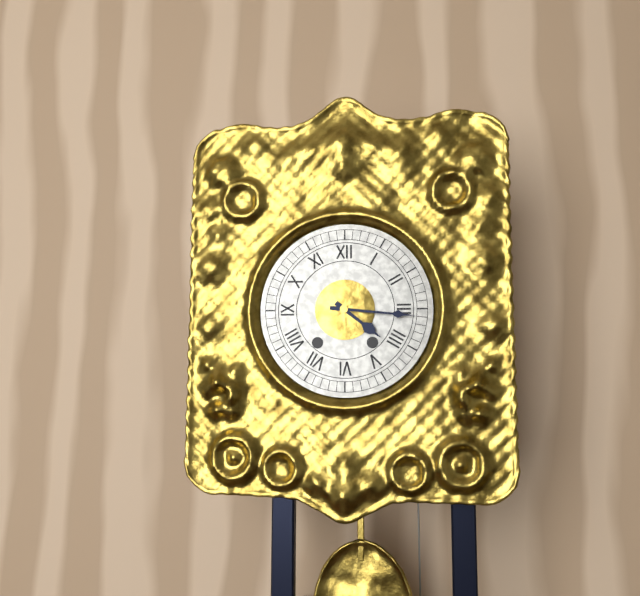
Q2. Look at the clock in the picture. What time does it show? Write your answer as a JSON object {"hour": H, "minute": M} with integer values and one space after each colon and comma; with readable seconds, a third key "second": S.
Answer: {"hour": 4, "minute": 16}
